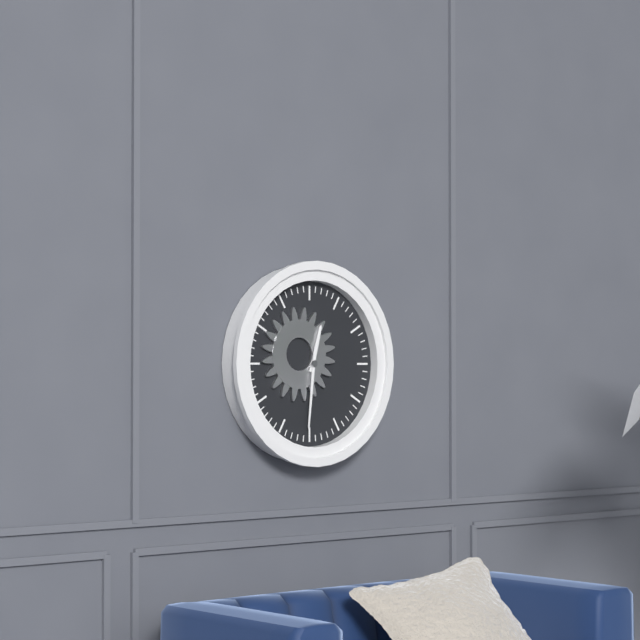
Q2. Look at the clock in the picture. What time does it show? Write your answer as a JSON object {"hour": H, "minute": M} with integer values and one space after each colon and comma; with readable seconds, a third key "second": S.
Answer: {"hour": 12, "minute": 31}
